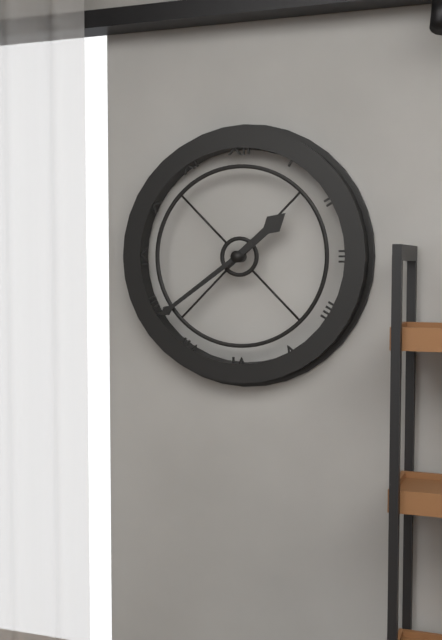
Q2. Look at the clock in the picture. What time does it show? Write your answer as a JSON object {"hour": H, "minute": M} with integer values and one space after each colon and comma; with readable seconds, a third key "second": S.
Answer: {"hour": 1, "minute": 39}
